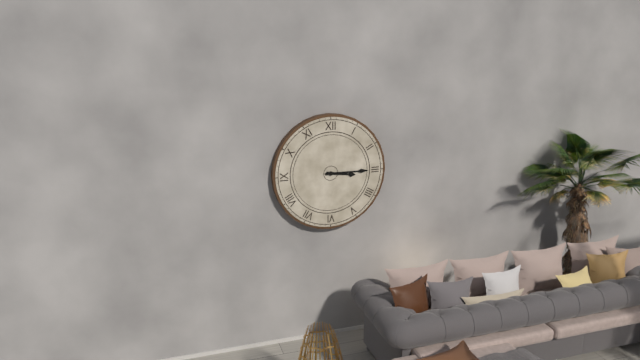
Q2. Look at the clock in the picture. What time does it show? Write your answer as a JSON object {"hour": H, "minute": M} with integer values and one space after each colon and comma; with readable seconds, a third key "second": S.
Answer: {"hour": 3, "minute": 15}
